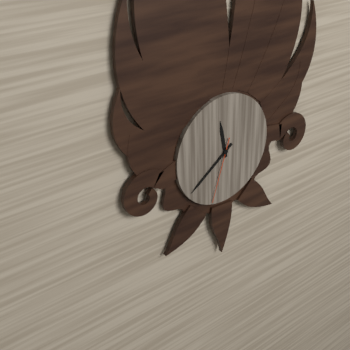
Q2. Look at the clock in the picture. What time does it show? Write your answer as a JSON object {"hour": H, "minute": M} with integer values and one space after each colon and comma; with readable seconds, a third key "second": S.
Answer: {"hour": 11, "minute": 39, "second": 33}
